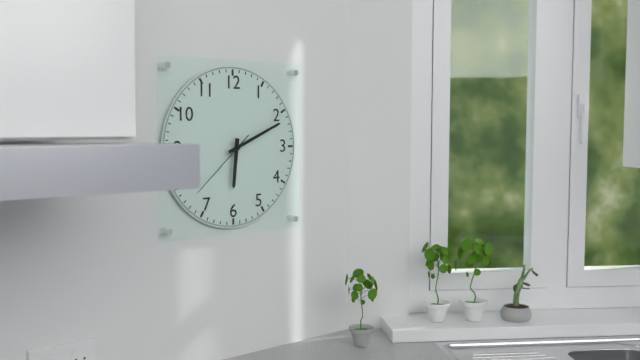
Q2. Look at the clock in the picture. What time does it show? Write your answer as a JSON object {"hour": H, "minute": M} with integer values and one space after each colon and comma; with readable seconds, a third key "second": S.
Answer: {"hour": 6, "minute": 11, "second": 38}
